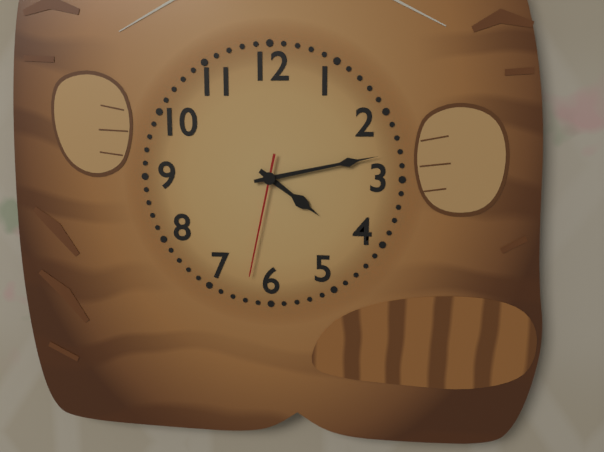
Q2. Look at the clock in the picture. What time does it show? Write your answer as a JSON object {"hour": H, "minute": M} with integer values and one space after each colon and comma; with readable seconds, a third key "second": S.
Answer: {"hour": 4, "minute": 13, "second": 32}
